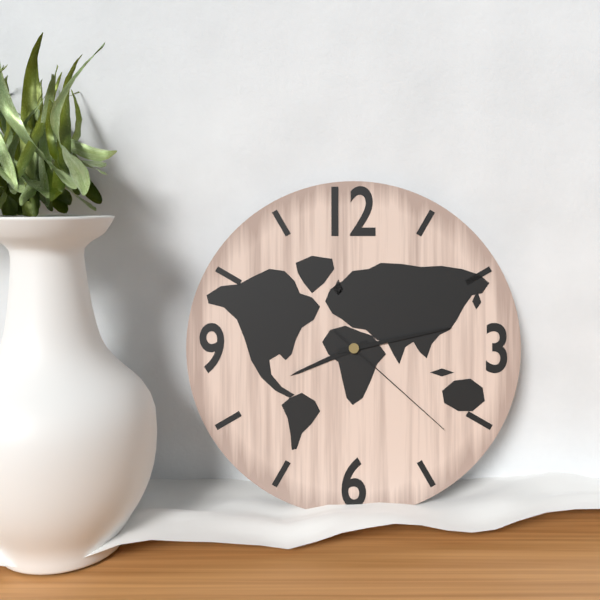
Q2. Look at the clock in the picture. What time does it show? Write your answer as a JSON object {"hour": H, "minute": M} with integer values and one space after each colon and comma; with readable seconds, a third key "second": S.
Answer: {"hour": 8, "minute": 13, "second": 22}
